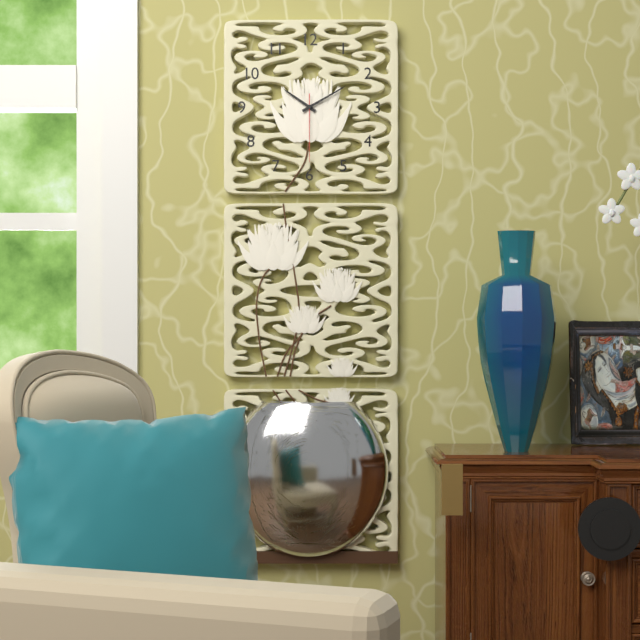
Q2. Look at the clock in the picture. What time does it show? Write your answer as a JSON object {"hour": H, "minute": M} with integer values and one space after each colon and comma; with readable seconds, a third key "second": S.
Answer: {"hour": 10, "minute": 10, "second": 30}
